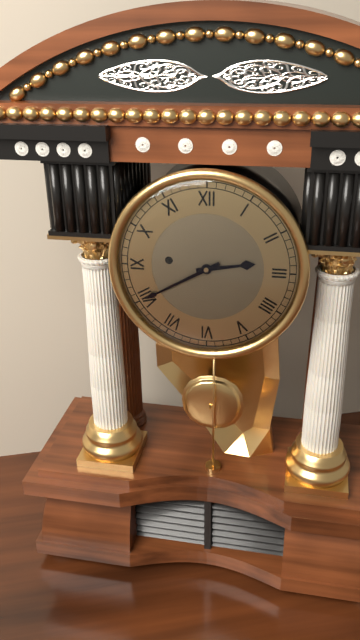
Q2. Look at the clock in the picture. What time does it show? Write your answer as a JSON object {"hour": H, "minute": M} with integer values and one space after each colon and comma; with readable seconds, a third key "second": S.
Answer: {"hour": 2, "minute": 40}
